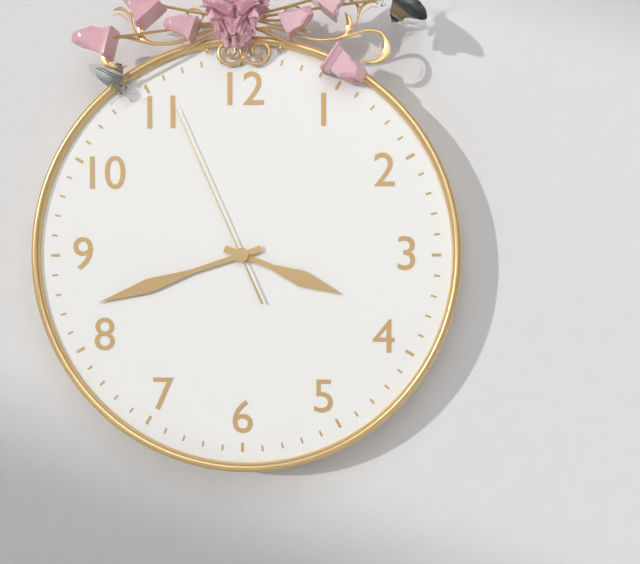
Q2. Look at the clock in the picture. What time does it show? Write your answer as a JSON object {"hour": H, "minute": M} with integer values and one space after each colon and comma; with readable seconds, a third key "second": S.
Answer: {"hour": 3, "minute": 42, "second": 56}
